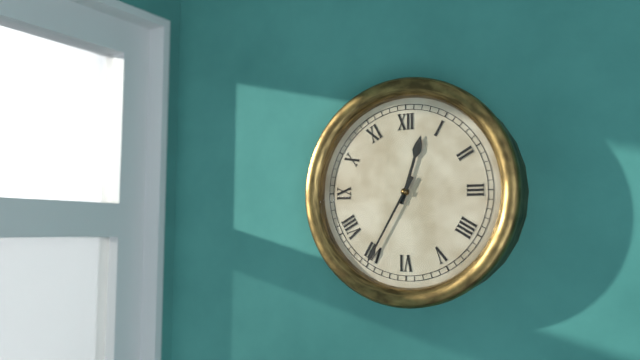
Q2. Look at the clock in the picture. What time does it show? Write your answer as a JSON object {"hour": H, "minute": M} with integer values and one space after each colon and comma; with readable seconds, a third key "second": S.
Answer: {"hour": 12, "minute": 35}
